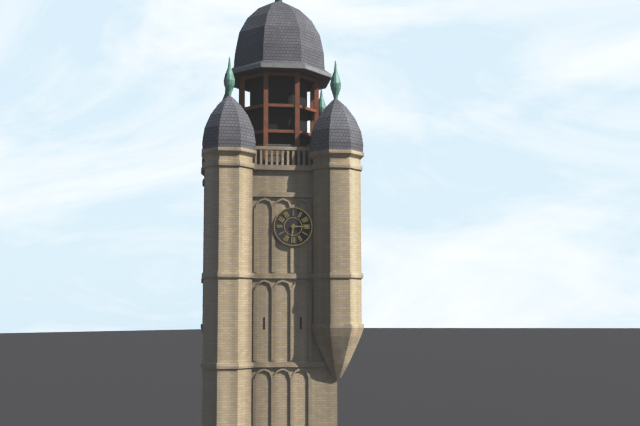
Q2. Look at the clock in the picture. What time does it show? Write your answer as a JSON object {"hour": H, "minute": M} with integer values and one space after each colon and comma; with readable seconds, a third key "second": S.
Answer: {"hour": 6, "minute": 15}
